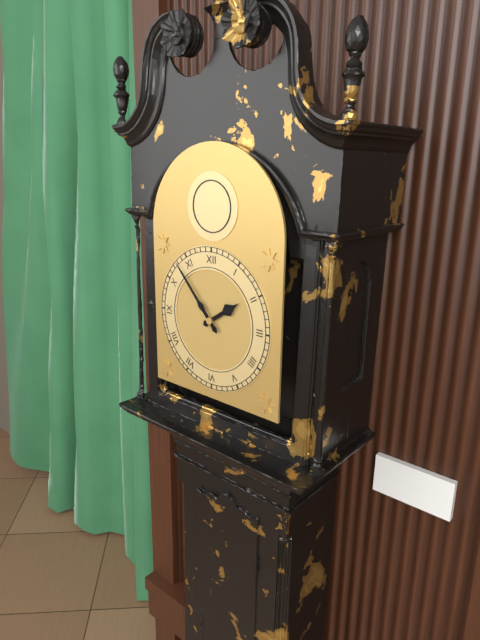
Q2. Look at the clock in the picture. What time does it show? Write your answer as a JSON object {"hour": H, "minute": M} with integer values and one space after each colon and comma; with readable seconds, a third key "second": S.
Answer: {"hour": 1, "minute": 53}
